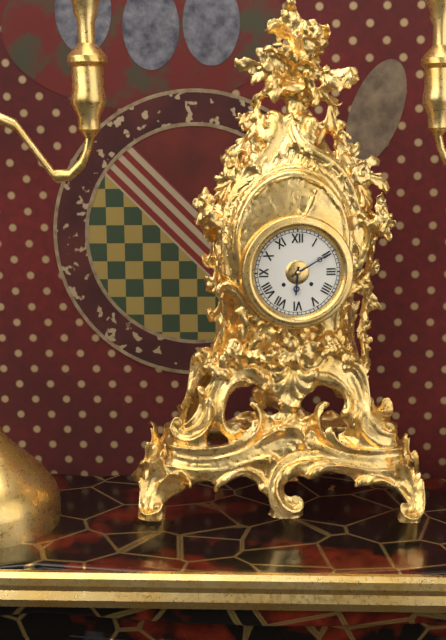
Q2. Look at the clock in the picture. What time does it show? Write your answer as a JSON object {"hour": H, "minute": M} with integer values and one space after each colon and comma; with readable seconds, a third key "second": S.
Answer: {"hour": 6, "minute": 10}
